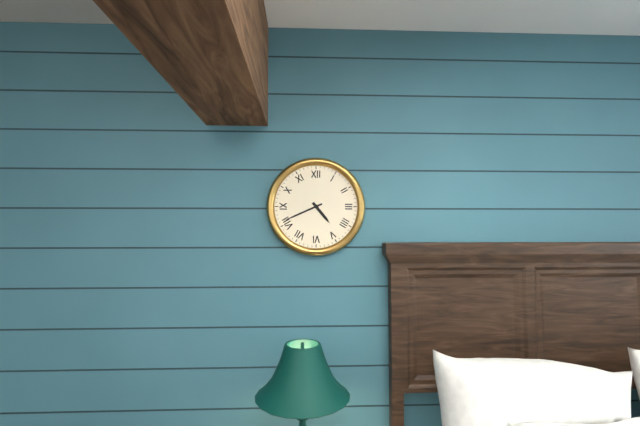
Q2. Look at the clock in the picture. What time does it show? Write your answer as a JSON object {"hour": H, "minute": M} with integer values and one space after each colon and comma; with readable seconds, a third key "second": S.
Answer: {"hour": 4, "minute": 41}
